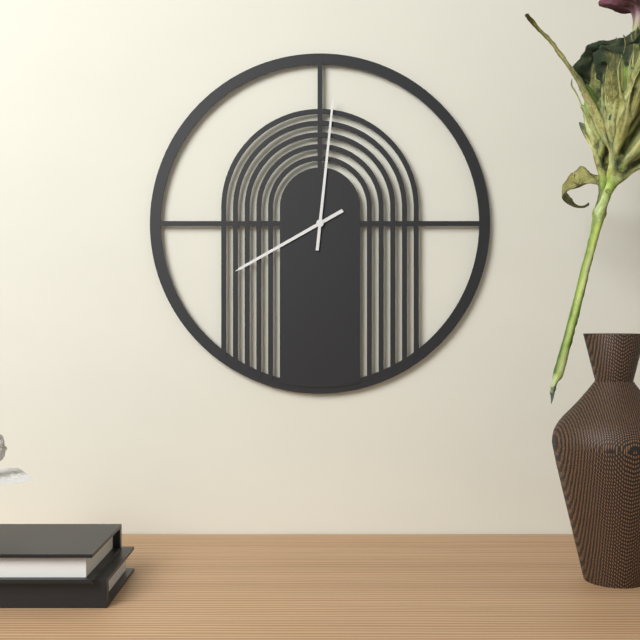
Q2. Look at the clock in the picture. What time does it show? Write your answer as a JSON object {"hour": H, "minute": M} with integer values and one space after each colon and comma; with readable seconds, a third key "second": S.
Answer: {"hour": 8, "minute": 1}
